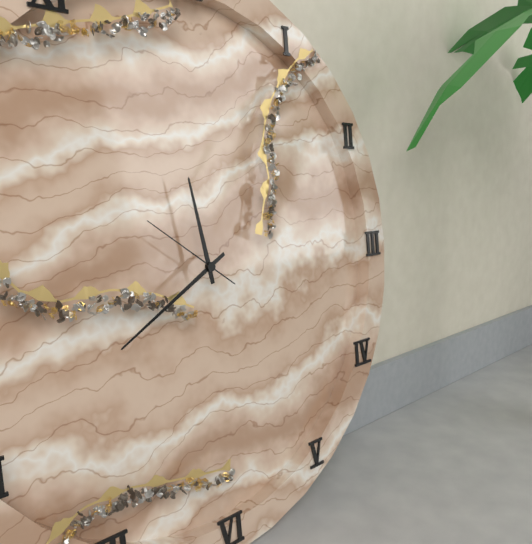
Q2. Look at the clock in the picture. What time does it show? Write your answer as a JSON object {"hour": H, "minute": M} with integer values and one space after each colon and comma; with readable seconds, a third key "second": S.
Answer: {"hour": 11, "minute": 40, "second": 51}
